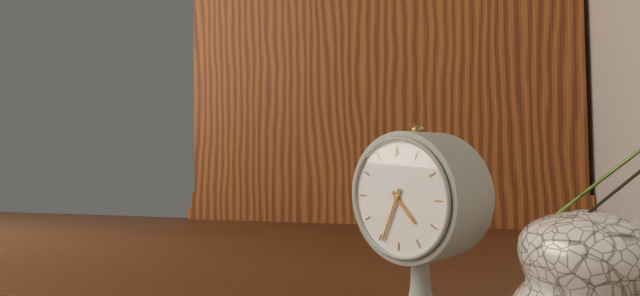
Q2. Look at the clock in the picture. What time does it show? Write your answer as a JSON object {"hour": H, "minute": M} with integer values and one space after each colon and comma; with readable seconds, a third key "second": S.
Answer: {"hour": 4, "minute": 34}
